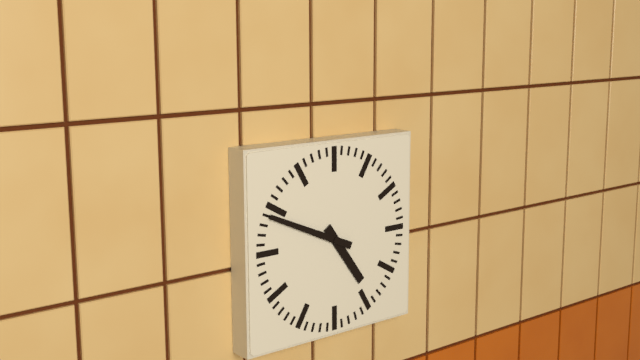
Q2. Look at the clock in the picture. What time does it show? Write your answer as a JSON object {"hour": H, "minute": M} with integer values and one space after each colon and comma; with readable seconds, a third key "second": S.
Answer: {"hour": 4, "minute": 49}
